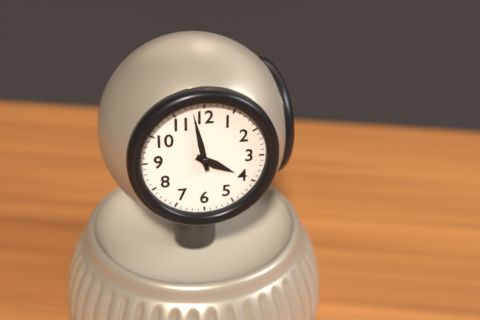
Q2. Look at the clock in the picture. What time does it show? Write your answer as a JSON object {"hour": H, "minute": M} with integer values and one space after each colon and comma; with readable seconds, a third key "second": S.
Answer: {"hour": 3, "minute": 58}
